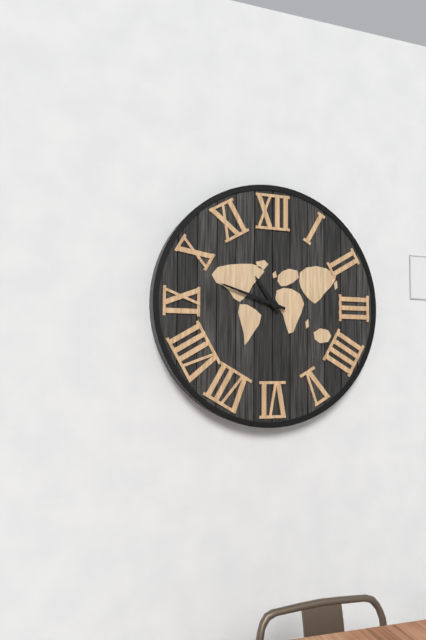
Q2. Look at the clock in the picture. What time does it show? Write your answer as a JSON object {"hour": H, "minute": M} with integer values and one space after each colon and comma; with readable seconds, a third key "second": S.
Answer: {"hour": 10, "minute": 48}
